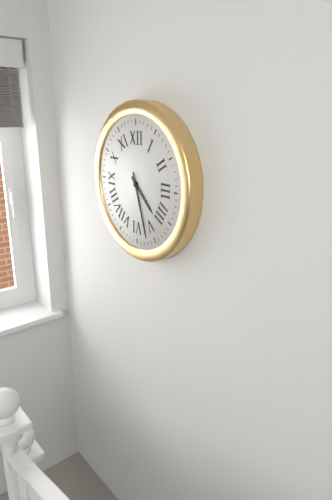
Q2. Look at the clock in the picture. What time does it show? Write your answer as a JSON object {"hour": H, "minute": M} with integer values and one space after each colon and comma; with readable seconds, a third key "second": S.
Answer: {"hour": 4, "minute": 27}
